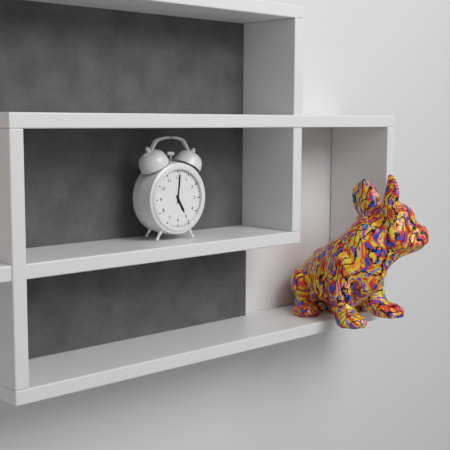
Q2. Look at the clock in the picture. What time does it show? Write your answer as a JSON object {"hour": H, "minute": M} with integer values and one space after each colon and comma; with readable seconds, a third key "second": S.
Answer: {"hour": 5, "minute": 1}
